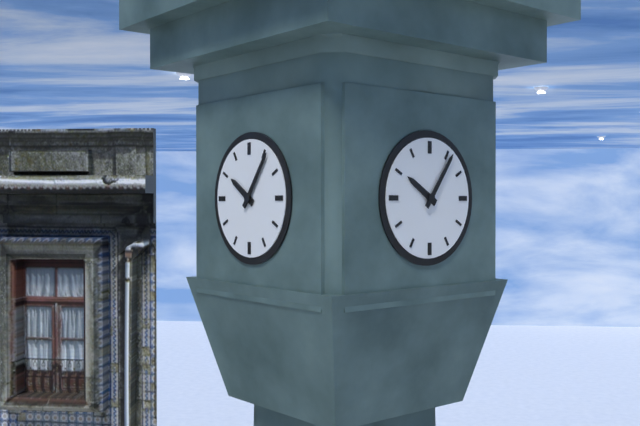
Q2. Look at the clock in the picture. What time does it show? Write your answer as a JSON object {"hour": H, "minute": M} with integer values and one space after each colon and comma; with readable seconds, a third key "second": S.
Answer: {"hour": 10, "minute": 6}
